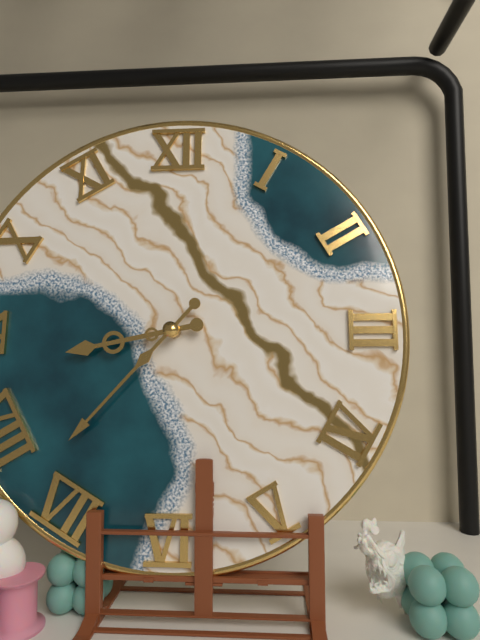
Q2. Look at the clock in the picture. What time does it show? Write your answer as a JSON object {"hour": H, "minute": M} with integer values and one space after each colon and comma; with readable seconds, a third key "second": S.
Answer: {"hour": 8, "minute": 37}
